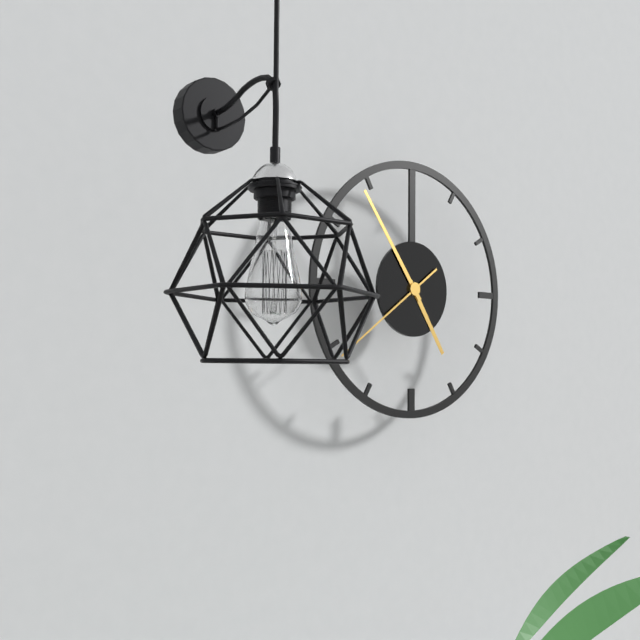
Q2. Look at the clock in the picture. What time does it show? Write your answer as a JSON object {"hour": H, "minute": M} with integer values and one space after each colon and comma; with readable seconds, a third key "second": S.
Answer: {"hour": 4, "minute": 54, "second": 39}
